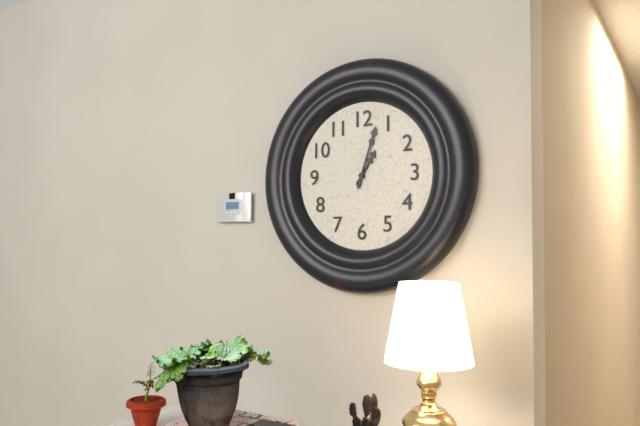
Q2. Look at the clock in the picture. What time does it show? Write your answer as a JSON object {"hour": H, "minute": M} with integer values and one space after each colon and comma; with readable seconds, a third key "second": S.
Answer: {"hour": 1, "minute": 3}
